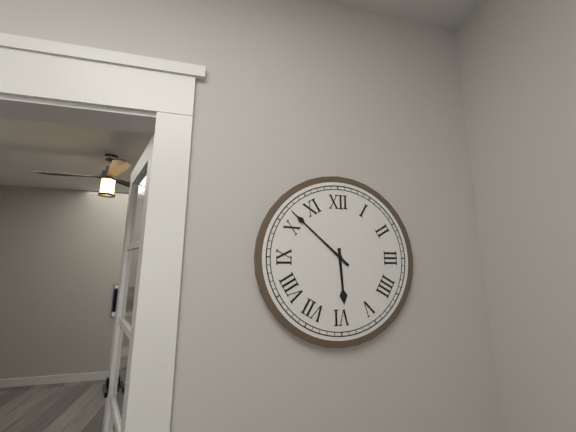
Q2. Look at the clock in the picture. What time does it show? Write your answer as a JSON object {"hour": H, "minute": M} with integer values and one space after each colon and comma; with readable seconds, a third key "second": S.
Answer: {"hour": 5, "minute": 52}
